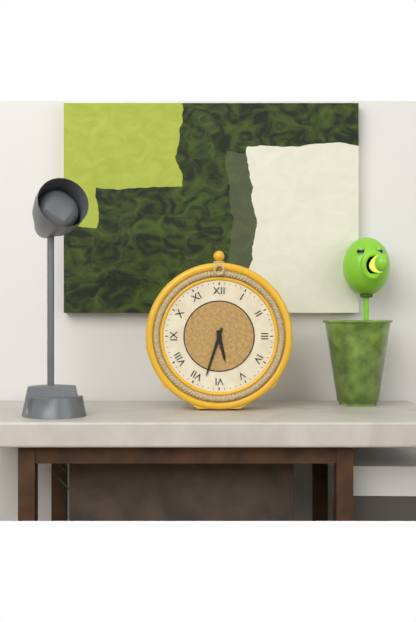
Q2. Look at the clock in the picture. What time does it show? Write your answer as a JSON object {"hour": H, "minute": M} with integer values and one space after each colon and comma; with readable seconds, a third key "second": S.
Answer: {"hour": 5, "minute": 33}
